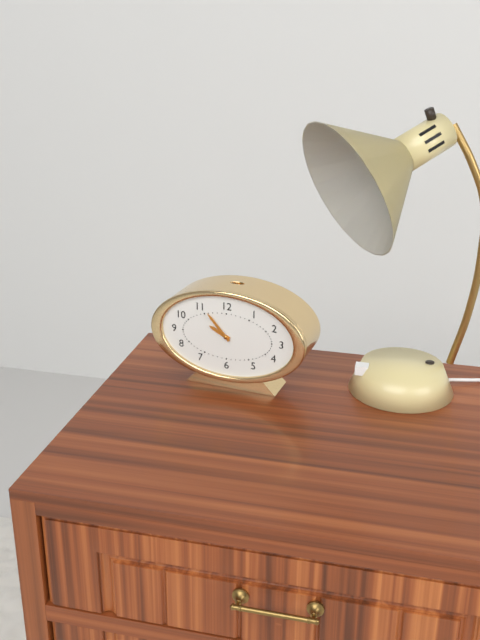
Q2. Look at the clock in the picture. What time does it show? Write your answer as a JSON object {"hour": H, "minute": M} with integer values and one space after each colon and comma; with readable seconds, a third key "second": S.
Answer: {"hour": 9, "minute": 53}
